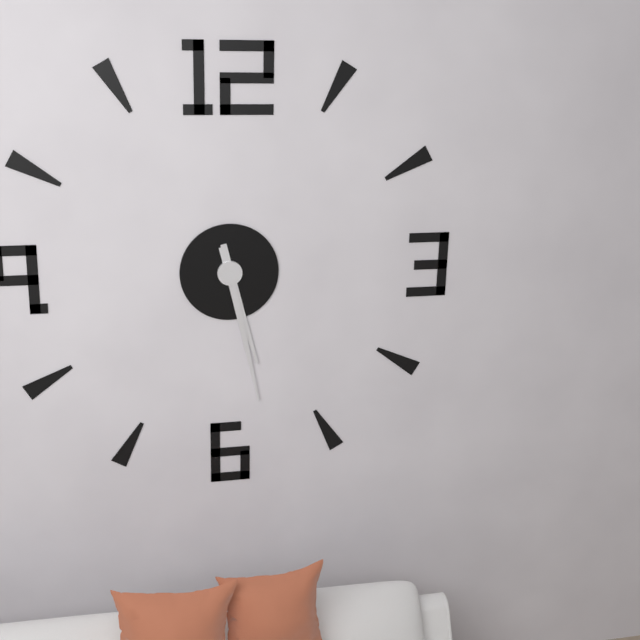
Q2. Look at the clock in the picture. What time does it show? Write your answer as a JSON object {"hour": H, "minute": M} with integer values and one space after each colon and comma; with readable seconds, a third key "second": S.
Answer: {"hour": 5, "minute": 28}
